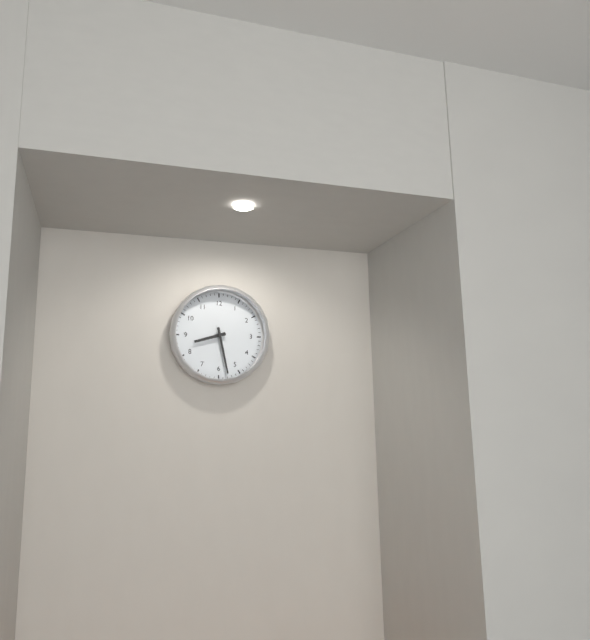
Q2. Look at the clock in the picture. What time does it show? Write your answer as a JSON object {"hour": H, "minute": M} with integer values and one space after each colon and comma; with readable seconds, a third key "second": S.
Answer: {"hour": 8, "minute": 28}
